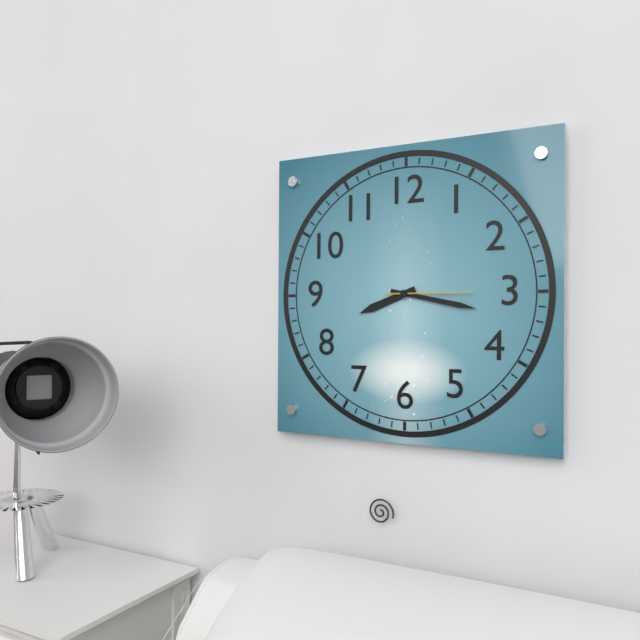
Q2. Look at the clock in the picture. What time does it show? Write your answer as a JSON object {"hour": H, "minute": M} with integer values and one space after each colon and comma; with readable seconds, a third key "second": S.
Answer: {"hour": 8, "minute": 17, "second": 15}
